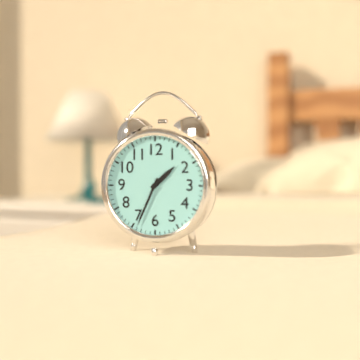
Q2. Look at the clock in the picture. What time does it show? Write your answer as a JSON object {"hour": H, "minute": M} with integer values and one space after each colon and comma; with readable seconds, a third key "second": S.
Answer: {"hour": 1, "minute": 34}
